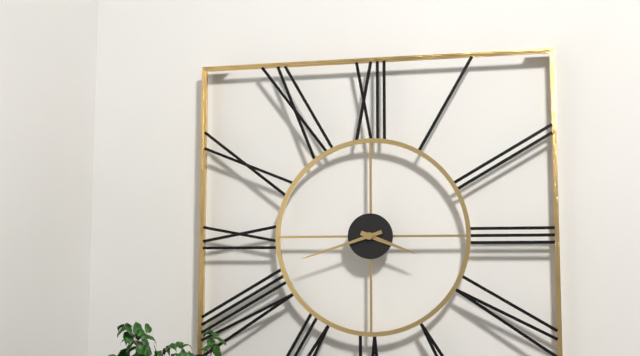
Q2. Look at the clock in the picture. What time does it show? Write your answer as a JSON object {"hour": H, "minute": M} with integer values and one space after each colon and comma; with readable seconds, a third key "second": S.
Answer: {"hour": 3, "minute": 42}
